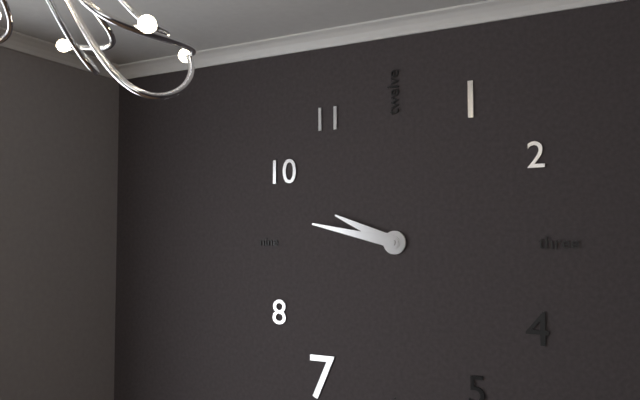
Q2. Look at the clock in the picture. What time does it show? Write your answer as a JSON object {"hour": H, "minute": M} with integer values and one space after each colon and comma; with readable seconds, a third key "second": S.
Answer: {"hour": 9, "minute": 47}
